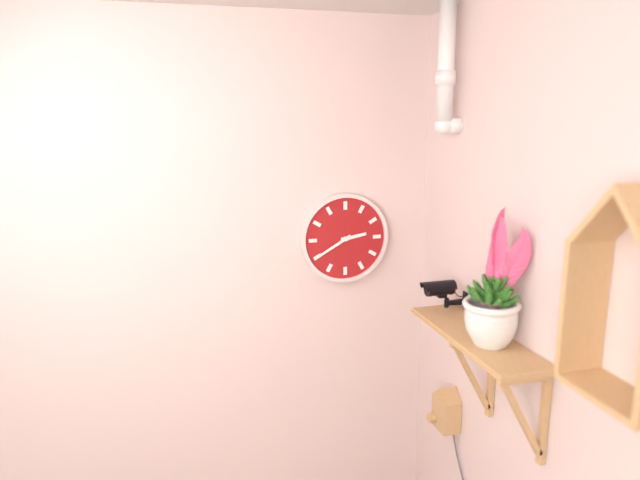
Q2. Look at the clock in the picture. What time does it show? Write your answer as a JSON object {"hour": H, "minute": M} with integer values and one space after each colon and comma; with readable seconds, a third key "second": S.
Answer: {"hour": 2, "minute": 40}
